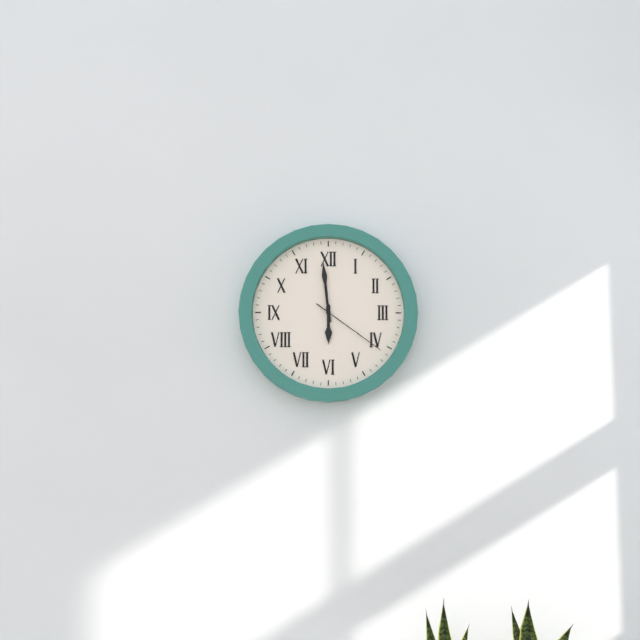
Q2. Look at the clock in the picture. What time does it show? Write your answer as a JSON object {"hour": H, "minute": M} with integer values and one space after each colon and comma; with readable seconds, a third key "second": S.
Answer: {"hour": 5, "minute": 59, "second": 21}
